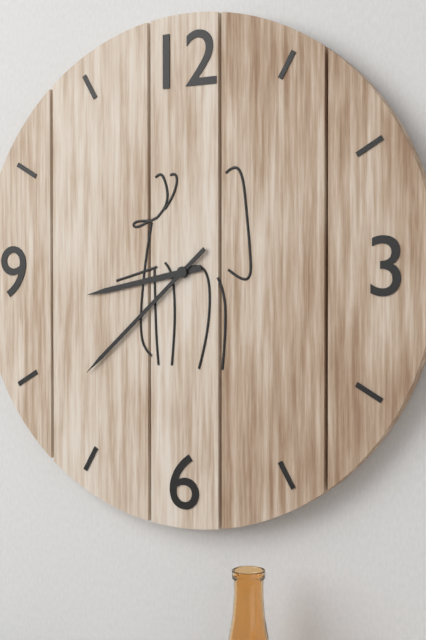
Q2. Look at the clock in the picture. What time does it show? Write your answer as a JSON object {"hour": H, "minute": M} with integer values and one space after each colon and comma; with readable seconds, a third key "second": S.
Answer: {"hour": 8, "minute": 38}
